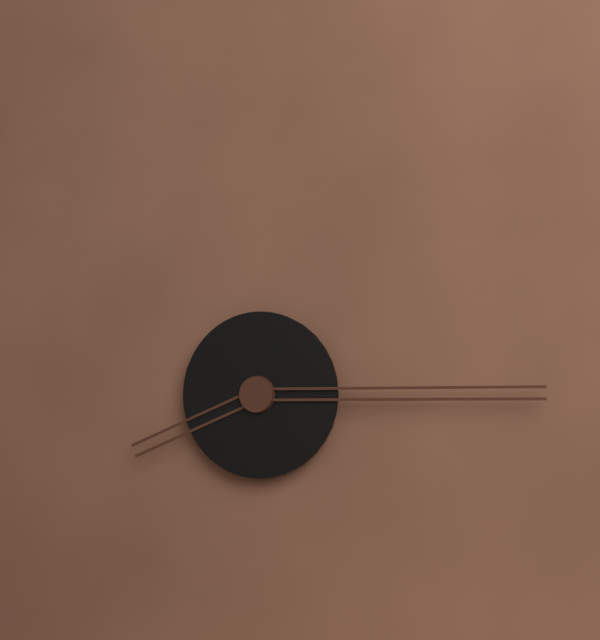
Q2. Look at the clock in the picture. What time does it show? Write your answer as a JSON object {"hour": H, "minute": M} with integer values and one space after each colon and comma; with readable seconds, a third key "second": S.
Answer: {"hour": 8, "minute": 15}
